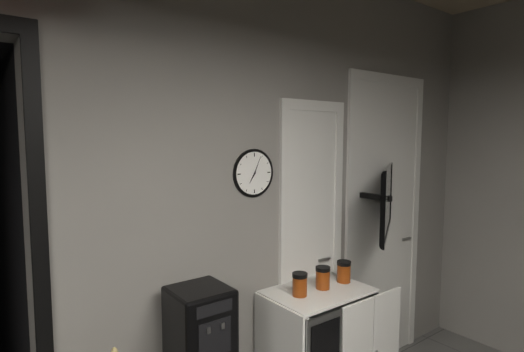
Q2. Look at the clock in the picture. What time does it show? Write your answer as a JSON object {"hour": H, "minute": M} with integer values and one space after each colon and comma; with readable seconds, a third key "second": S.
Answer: {"hour": 7, "minute": 4}
